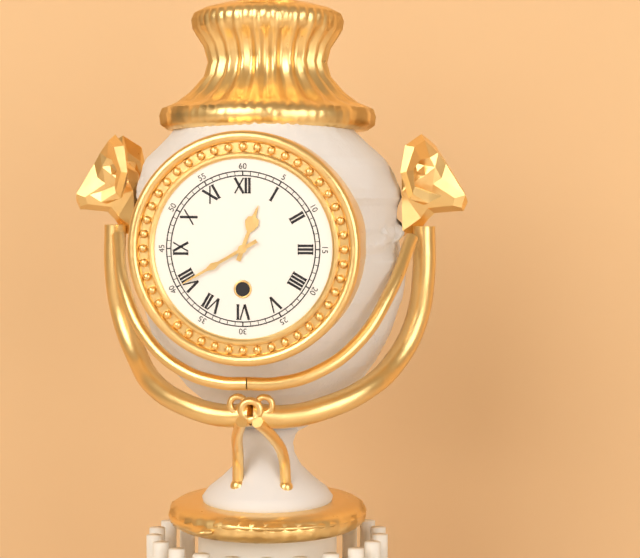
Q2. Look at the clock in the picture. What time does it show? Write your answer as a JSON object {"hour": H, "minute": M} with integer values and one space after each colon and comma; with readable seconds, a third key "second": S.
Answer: {"hour": 12, "minute": 40}
